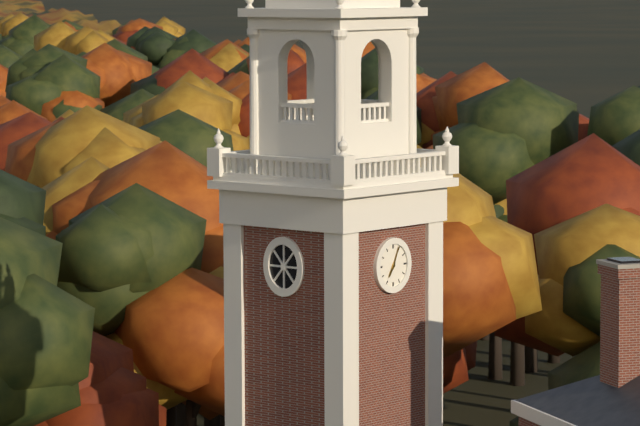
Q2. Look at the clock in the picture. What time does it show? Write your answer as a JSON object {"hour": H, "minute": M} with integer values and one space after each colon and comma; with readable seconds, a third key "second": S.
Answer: {"hour": 7, "minute": 4}
